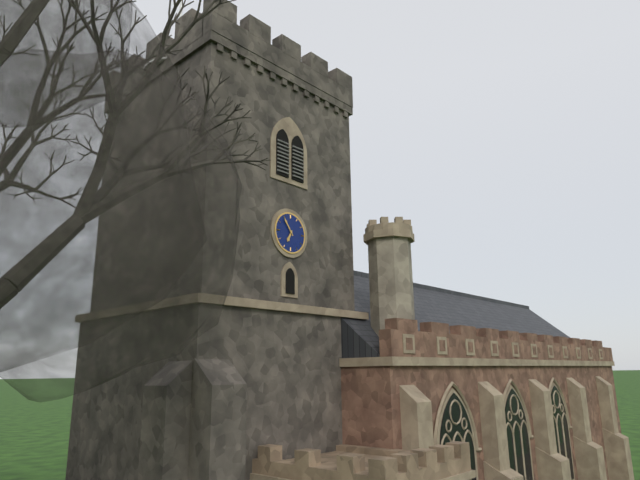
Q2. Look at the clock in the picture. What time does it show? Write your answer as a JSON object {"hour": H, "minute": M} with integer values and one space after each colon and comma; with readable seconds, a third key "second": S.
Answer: {"hour": 6, "minute": 54}
